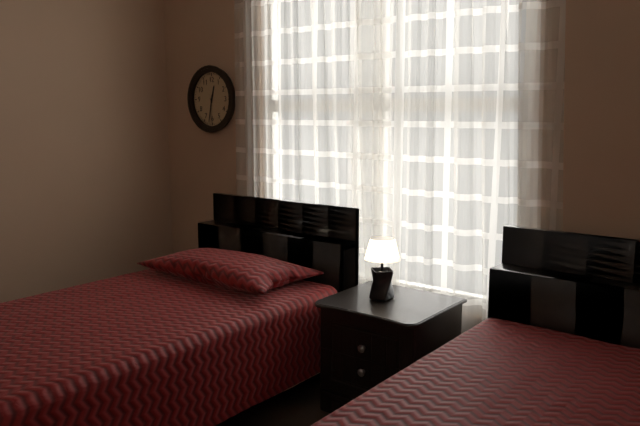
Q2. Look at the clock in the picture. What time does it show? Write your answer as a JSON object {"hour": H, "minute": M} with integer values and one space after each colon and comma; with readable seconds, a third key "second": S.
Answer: {"hour": 12, "minute": 32}
